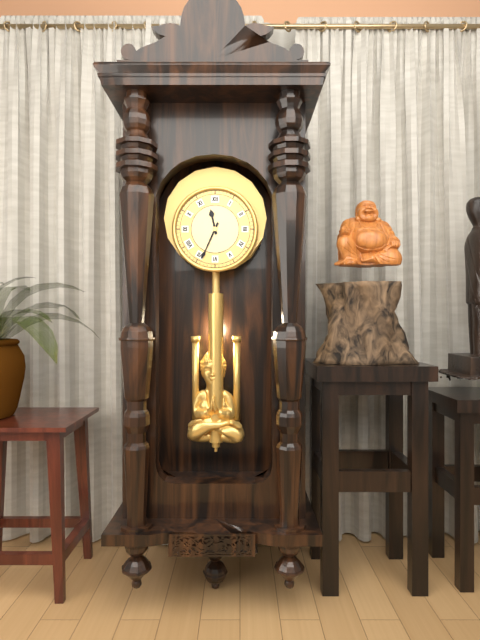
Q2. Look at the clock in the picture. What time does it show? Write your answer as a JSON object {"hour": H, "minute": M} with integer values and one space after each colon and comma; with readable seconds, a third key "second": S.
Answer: {"hour": 11, "minute": 34}
